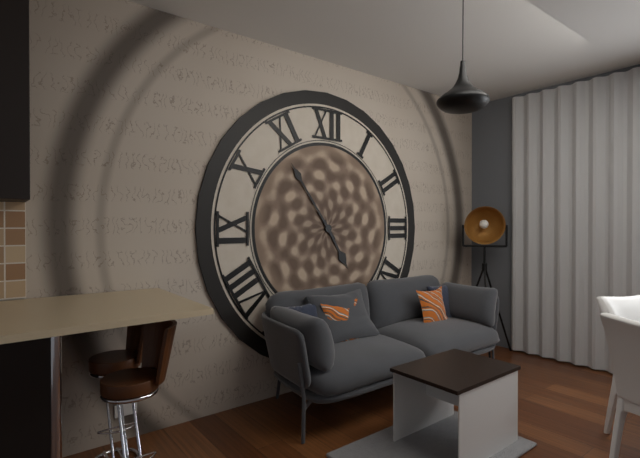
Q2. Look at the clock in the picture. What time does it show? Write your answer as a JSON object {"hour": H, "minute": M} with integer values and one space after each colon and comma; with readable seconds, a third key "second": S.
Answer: {"hour": 4, "minute": 54}
